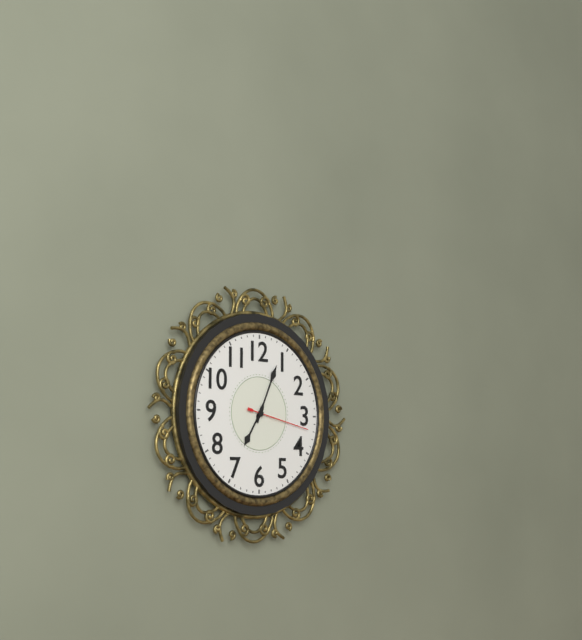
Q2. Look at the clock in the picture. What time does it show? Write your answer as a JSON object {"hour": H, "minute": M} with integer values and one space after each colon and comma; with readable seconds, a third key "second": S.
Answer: {"hour": 7, "minute": 4, "second": 17}
